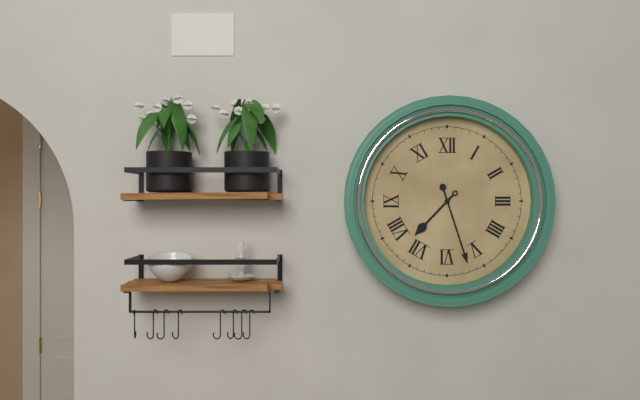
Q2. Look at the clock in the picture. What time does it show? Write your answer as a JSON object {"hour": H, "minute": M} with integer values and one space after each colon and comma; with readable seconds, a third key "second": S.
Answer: {"hour": 7, "minute": 27}
